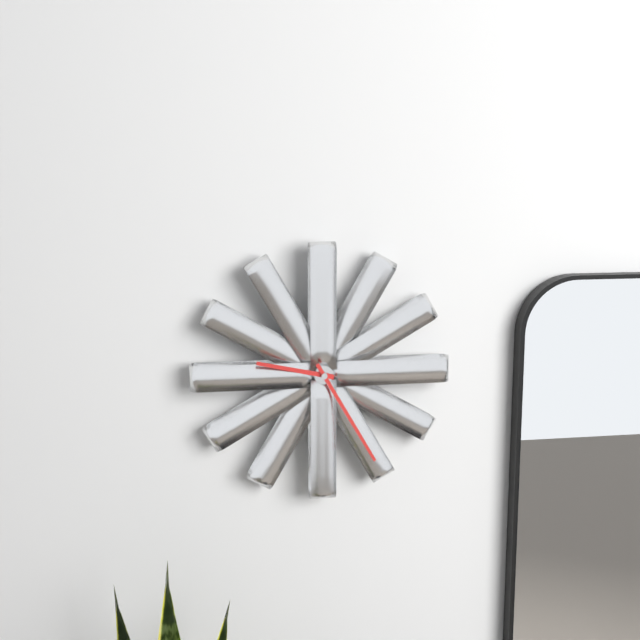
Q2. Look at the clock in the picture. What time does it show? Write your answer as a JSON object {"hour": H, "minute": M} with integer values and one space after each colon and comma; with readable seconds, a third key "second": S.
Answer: {"hour": 9, "minute": 25}
